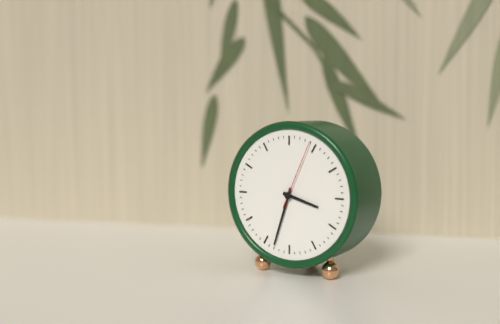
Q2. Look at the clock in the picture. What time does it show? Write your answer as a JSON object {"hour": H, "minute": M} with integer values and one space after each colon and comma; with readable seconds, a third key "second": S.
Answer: {"hour": 3, "minute": 33, "second": 4}
